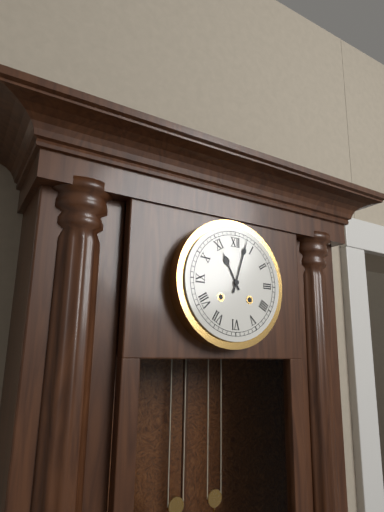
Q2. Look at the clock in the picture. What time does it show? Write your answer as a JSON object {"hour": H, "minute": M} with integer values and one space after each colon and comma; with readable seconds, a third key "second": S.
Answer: {"hour": 11, "minute": 3}
